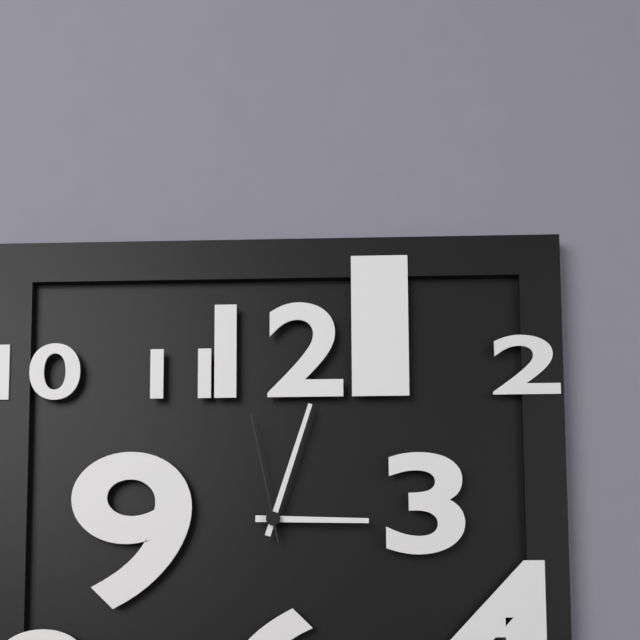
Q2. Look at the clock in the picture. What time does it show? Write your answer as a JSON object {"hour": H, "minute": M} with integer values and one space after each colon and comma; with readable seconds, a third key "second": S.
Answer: {"hour": 3, "minute": 3, "second": 58}
